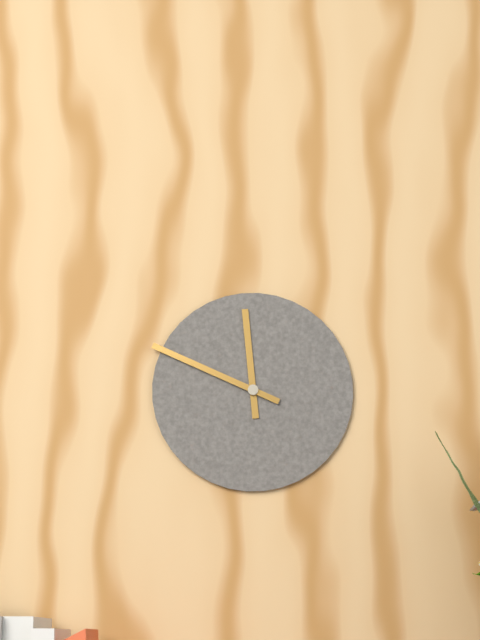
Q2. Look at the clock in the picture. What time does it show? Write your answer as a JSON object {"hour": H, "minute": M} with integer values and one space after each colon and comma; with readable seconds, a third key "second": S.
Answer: {"hour": 11, "minute": 49}
